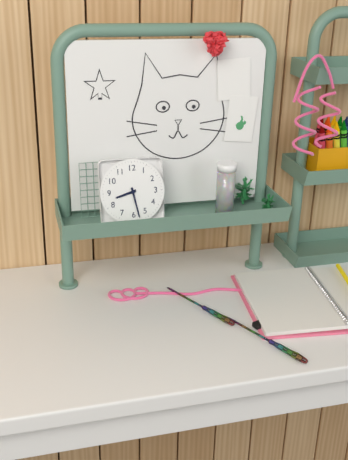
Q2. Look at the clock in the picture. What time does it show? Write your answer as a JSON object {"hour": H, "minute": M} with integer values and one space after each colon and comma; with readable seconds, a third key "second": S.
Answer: {"hour": 8, "minute": 28}
